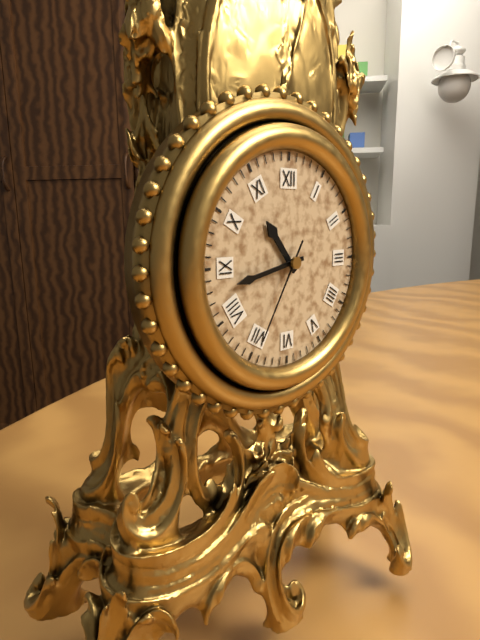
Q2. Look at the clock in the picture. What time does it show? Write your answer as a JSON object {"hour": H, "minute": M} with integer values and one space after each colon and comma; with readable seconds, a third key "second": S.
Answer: {"hour": 10, "minute": 43, "second": 35}
